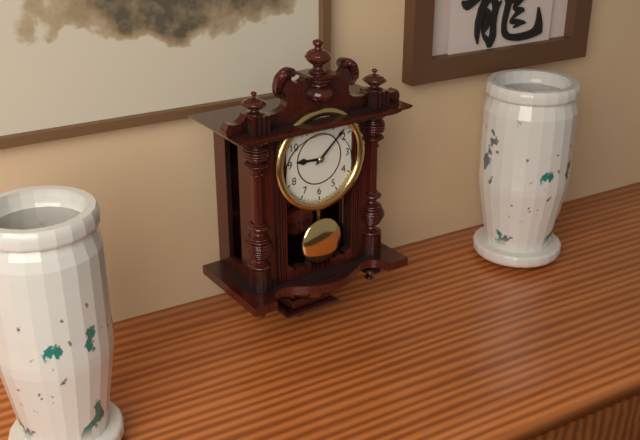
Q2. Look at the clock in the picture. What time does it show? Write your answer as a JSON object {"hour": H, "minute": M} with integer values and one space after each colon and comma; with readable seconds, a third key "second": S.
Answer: {"hour": 9, "minute": 8}
